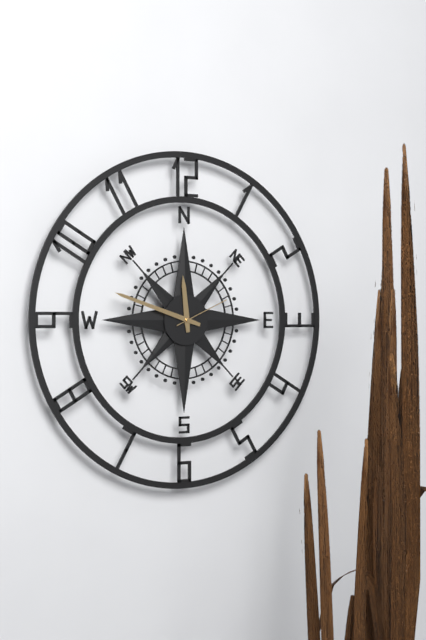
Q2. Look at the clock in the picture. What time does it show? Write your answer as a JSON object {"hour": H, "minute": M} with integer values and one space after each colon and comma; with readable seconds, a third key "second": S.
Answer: {"hour": 11, "minute": 48, "second": 11}
